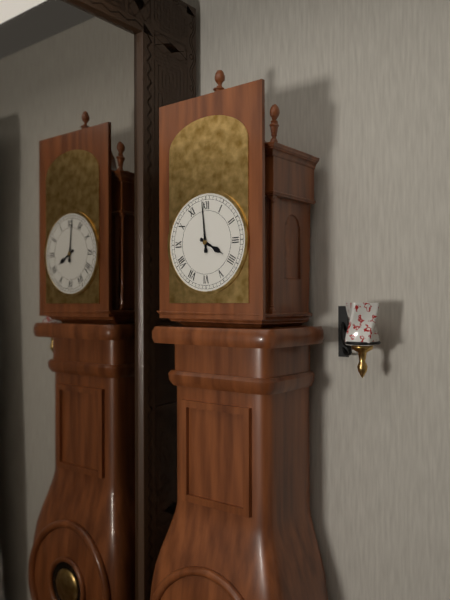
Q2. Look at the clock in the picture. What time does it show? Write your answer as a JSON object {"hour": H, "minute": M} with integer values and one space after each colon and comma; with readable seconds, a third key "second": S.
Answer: {"hour": 3, "minute": 59}
